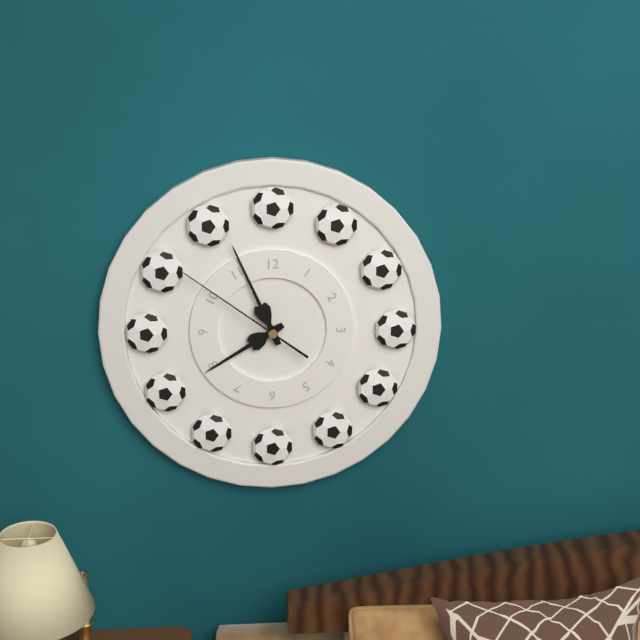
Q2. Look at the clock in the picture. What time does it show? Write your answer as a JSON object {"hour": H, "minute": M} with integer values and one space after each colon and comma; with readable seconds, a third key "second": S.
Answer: {"hour": 7, "minute": 56, "second": 51}
